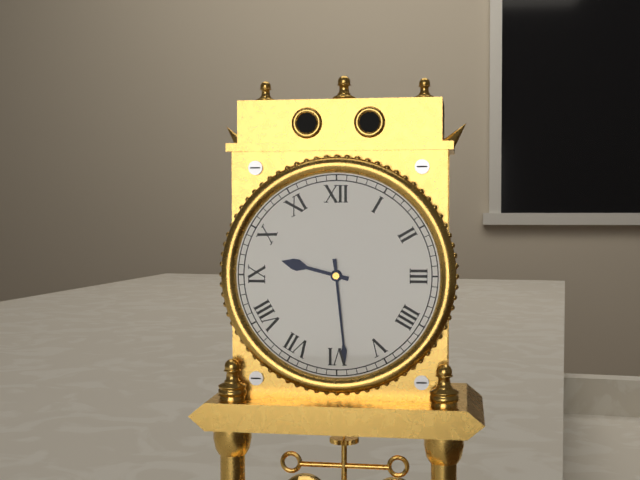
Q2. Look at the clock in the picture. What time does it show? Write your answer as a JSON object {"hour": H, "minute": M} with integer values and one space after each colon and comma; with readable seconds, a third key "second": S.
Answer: {"hour": 9, "minute": 29}
